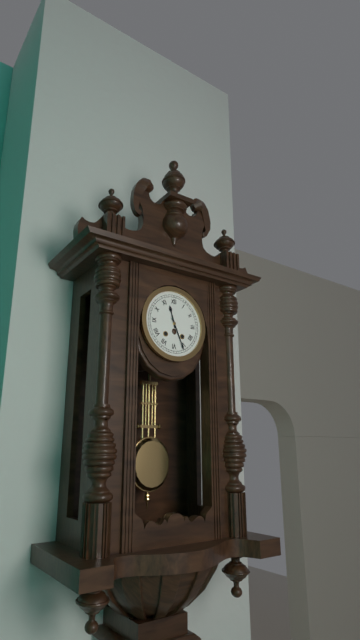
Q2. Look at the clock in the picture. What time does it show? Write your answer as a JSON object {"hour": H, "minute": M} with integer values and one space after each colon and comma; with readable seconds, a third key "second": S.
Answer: {"hour": 11, "minute": 26}
